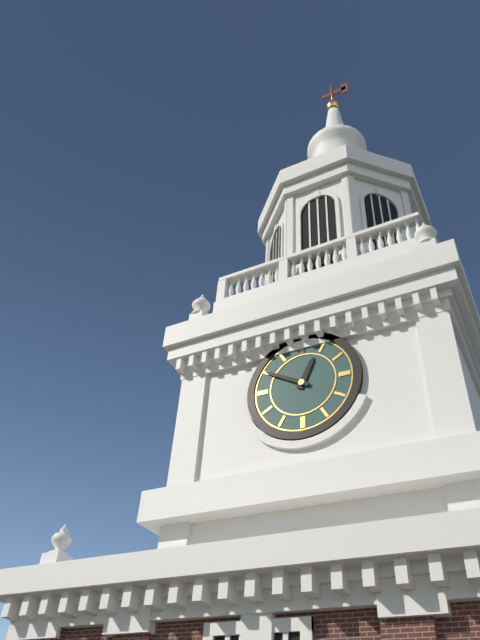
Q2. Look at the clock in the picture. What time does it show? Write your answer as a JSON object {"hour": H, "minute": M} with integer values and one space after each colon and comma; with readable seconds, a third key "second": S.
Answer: {"hour": 12, "minute": 50}
